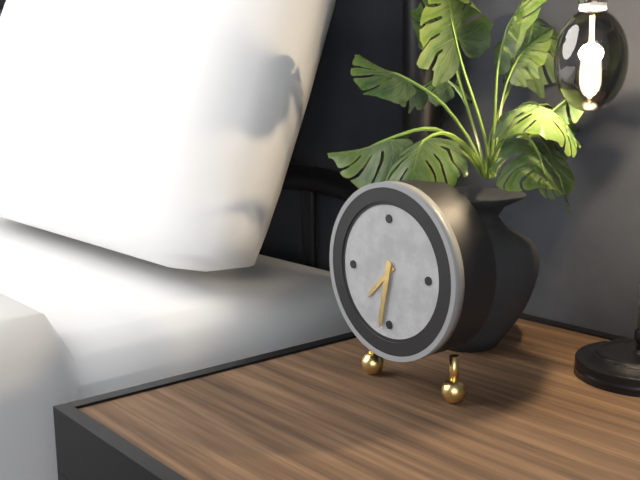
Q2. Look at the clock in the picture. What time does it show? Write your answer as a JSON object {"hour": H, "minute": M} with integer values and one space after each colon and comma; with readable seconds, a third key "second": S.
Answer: {"hour": 7, "minute": 32}
